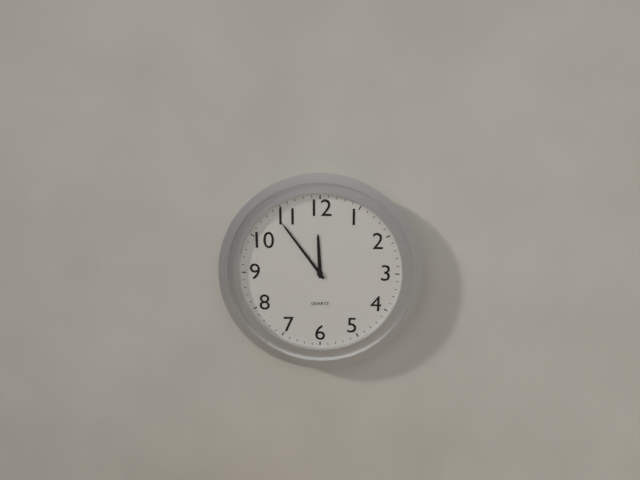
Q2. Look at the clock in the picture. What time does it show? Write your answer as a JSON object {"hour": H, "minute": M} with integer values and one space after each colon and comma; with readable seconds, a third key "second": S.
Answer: {"hour": 11, "minute": 54}
